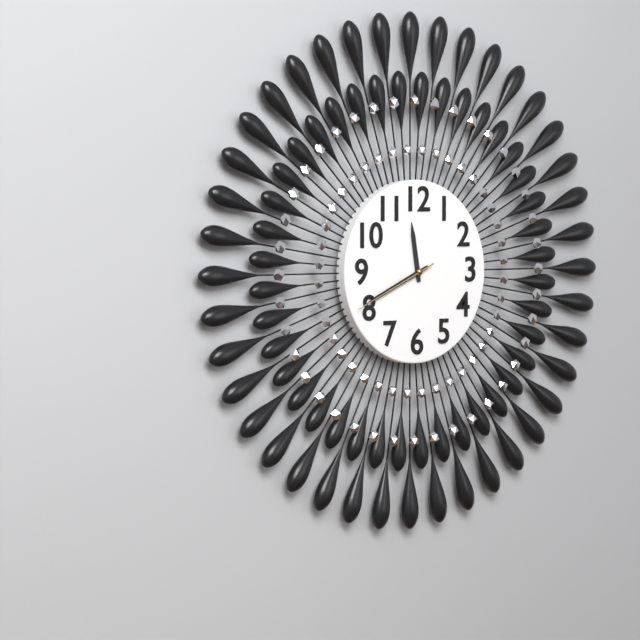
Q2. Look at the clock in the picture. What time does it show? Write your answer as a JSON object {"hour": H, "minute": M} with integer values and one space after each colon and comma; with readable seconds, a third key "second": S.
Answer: {"hour": 11, "minute": 41, "second": 41}
